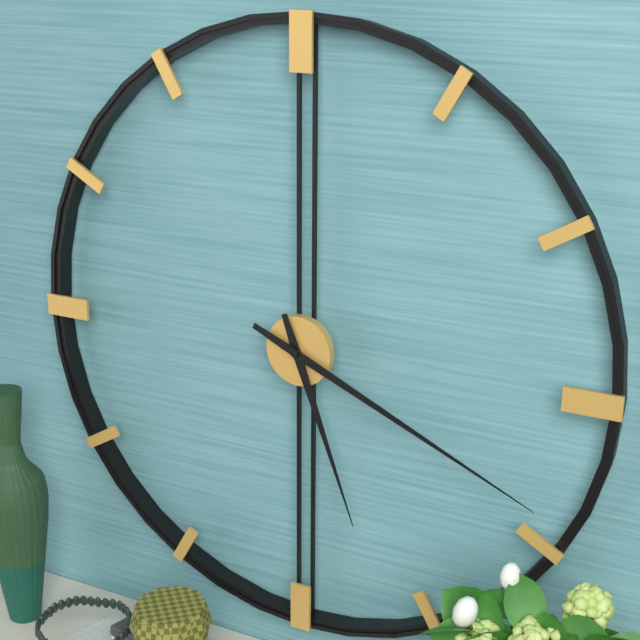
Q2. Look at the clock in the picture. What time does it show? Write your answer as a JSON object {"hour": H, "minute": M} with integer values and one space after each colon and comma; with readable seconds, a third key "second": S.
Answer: {"hour": 5, "minute": 19}
